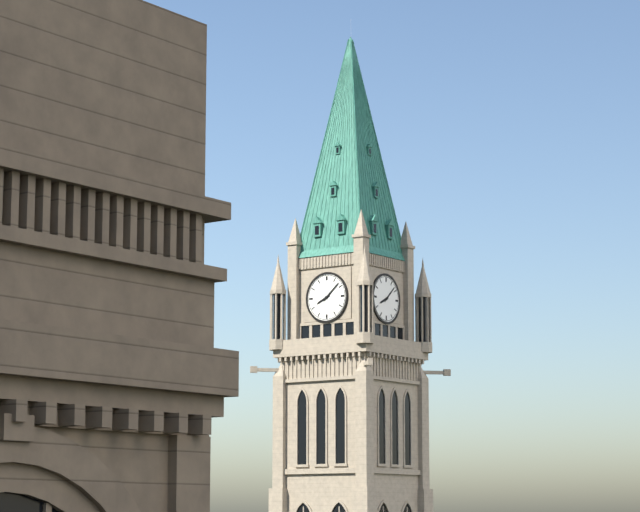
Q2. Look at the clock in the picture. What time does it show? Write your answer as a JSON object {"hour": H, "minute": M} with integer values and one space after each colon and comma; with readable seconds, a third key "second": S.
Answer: {"hour": 8, "minute": 8}
